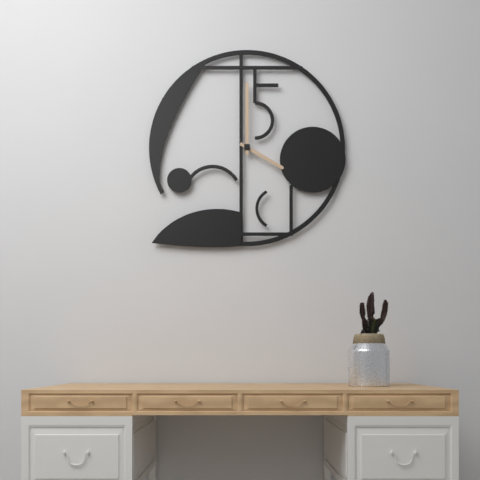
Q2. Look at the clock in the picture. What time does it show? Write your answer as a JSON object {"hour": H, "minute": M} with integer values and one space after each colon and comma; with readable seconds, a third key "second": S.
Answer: {"hour": 4, "minute": 0}
